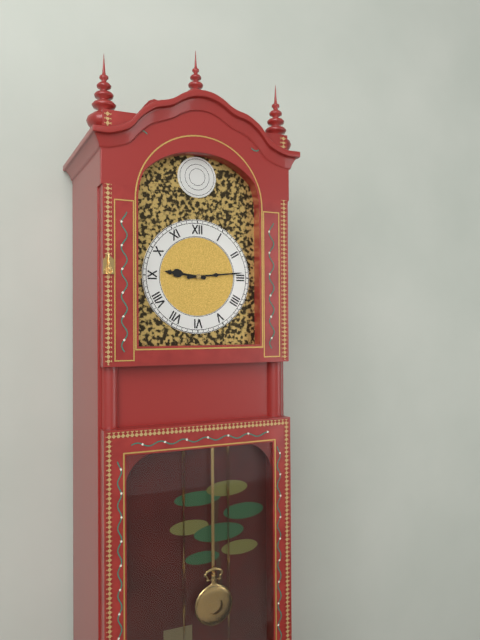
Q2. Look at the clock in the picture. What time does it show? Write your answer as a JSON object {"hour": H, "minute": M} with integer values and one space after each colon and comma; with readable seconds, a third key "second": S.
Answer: {"hour": 9, "minute": 14}
